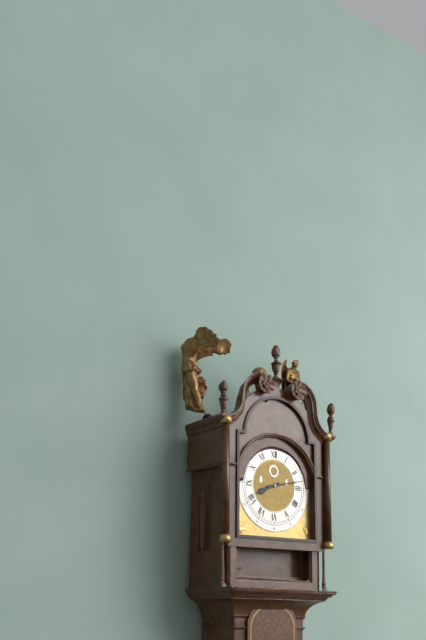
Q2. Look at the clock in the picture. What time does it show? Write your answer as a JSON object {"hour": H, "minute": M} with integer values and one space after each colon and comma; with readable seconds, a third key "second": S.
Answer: {"hour": 8, "minute": 13}
